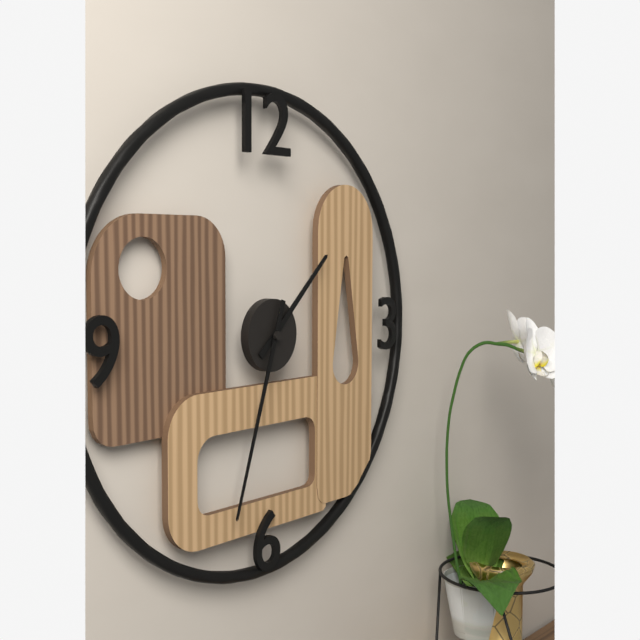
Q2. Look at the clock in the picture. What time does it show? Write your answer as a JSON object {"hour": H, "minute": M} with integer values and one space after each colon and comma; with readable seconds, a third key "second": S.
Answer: {"hour": 1, "minute": 33}
